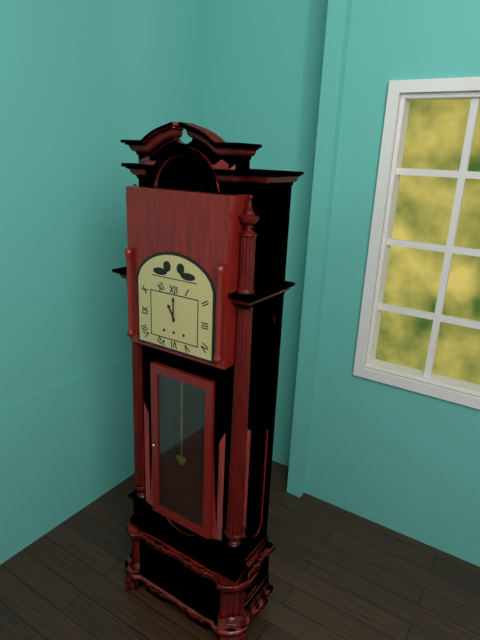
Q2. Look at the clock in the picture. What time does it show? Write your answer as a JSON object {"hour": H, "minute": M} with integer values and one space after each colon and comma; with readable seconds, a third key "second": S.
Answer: {"hour": 11, "minute": 0}
